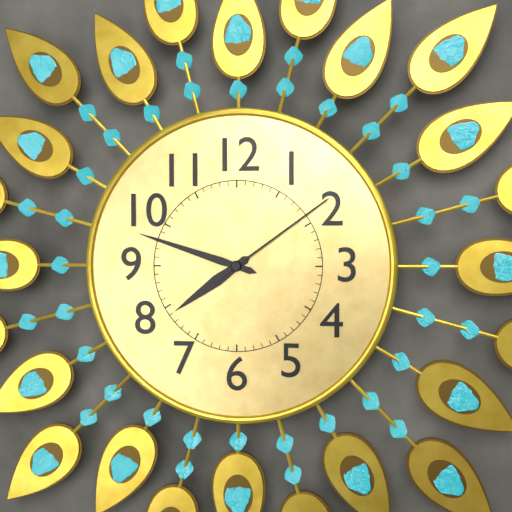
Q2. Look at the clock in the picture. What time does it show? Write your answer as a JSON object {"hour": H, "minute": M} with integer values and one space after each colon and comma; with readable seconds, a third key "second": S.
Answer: {"hour": 7, "minute": 48, "second": 9}
